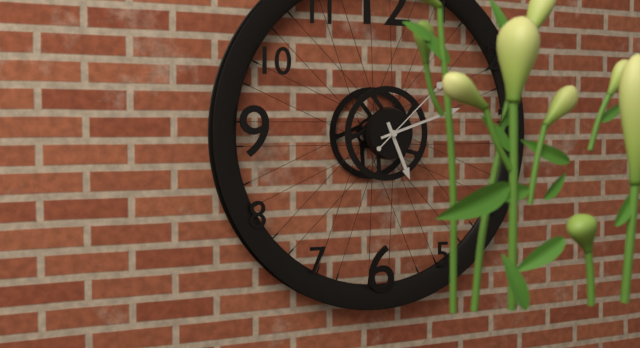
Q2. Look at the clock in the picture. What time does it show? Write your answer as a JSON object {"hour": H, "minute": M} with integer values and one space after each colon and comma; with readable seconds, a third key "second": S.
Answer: {"hour": 5, "minute": 12, "second": 8}
